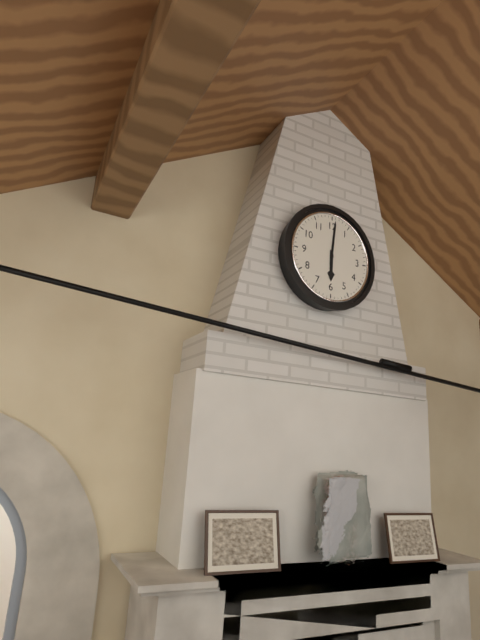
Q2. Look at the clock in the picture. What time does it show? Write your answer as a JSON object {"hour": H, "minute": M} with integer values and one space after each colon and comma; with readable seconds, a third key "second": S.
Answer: {"hour": 6, "minute": 1}
